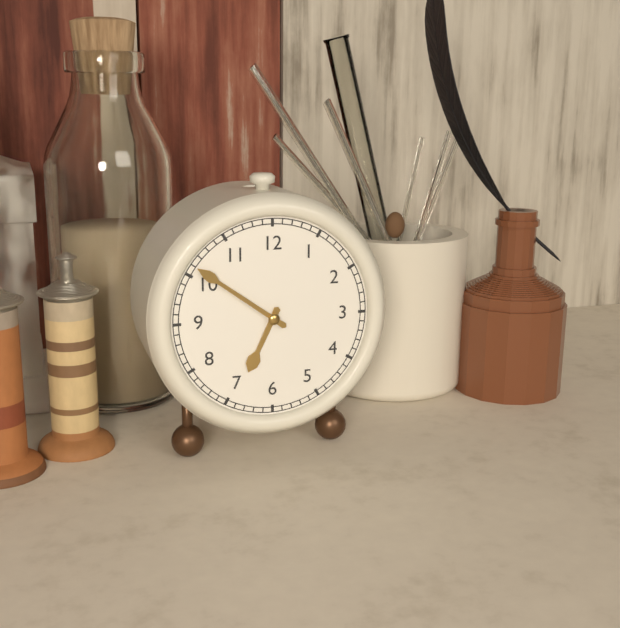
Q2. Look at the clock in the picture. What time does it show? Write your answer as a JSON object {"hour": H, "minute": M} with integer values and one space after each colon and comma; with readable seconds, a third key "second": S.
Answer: {"hour": 6, "minute": 51}
